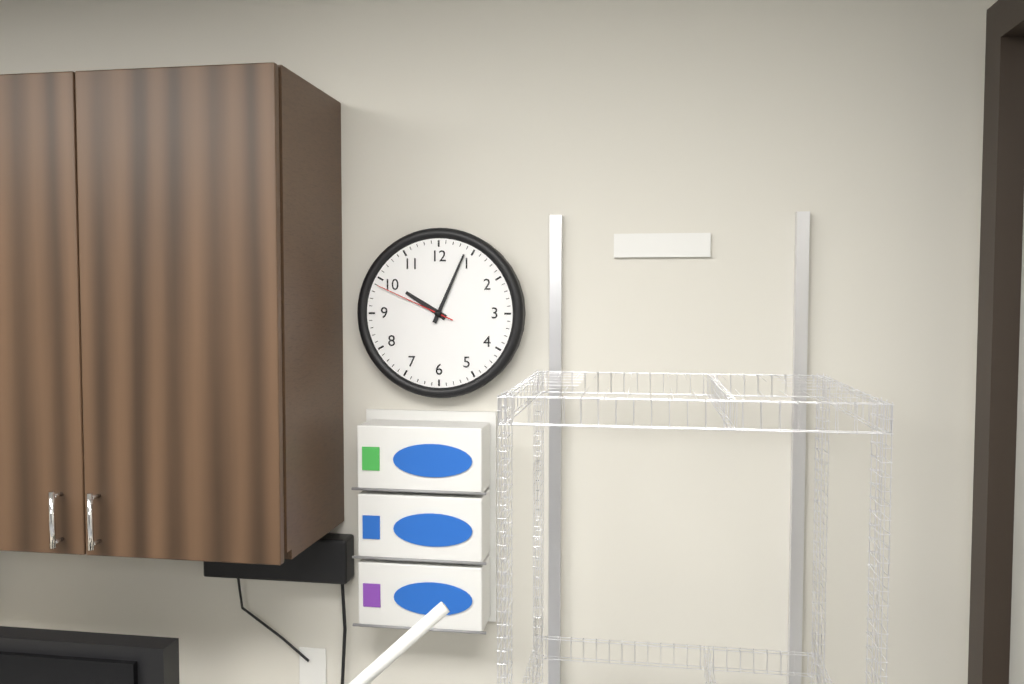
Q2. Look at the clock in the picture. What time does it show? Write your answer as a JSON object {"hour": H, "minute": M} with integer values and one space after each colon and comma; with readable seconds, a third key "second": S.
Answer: {"hour": 10, "minute": 4, "second": 49}
